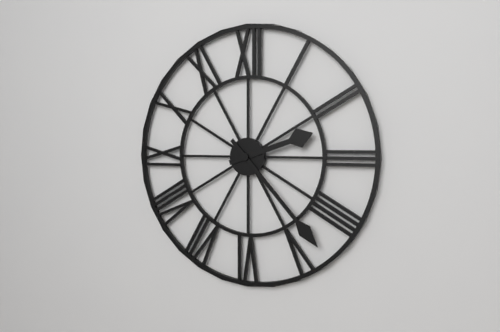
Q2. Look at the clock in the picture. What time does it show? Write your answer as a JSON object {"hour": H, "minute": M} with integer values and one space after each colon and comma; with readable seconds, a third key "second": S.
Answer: {"hour": 2, "minute": 23}
